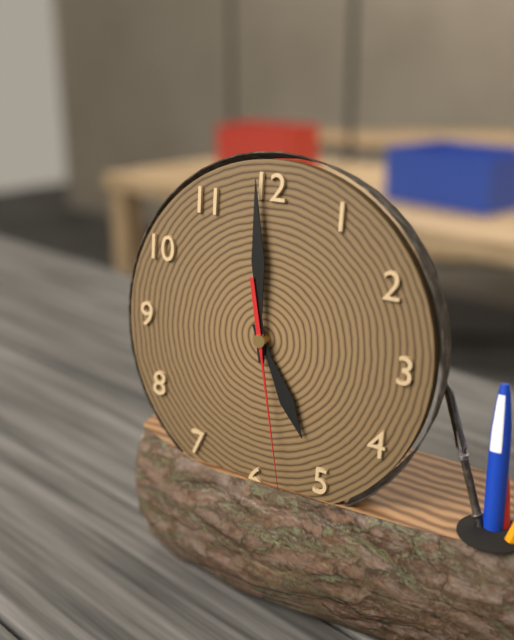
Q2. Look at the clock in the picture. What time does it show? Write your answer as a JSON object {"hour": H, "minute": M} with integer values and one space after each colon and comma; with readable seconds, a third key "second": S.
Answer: {"hour": 4, "minute": 59, "second": 28}
